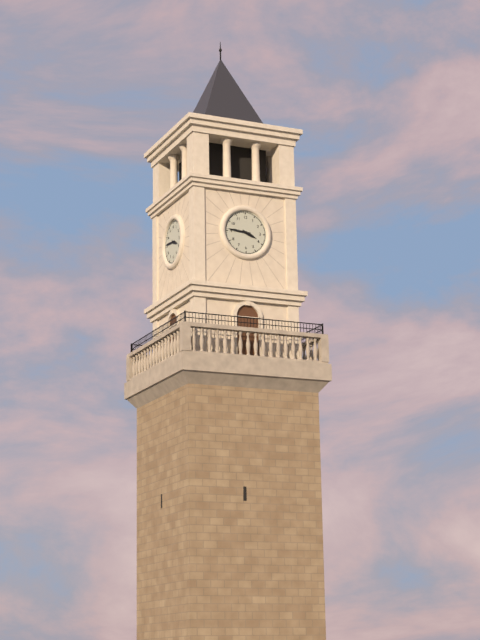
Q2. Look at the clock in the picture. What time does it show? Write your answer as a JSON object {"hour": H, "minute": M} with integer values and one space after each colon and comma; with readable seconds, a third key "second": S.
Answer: {"hour": 3, "minute": 46}
